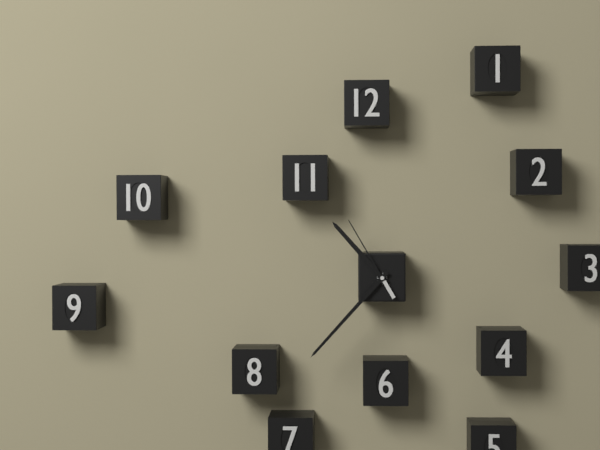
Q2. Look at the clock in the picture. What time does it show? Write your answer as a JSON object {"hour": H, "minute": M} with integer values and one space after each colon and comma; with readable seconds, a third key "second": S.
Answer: {"hour": 10, "minute": 37, "second": 55}
